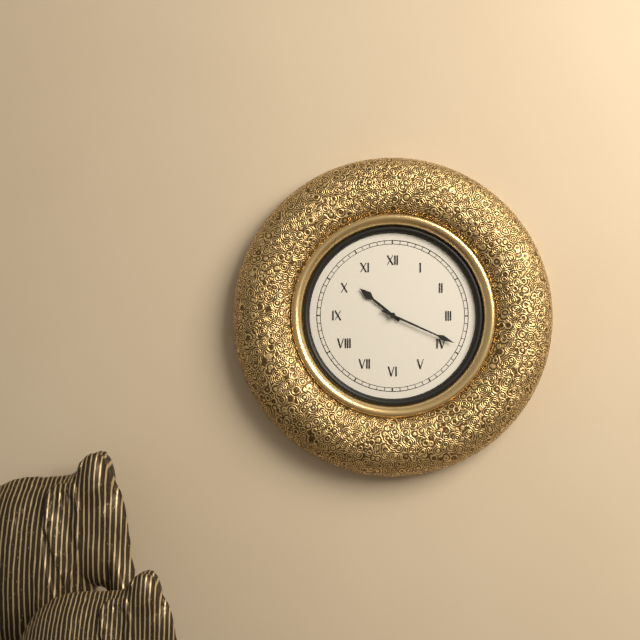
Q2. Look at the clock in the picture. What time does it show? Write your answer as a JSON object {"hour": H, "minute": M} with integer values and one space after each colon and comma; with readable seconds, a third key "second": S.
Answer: {"hour": 10, "minute": 19}
